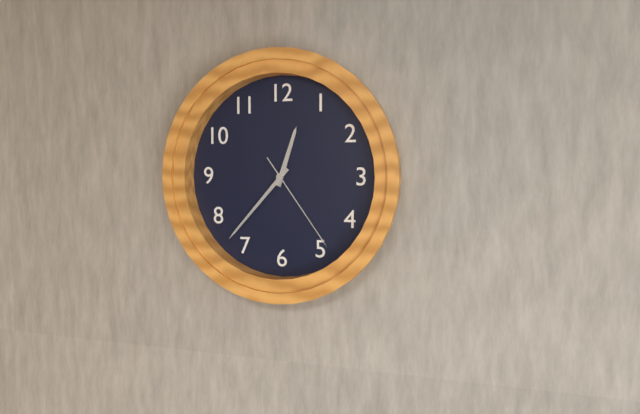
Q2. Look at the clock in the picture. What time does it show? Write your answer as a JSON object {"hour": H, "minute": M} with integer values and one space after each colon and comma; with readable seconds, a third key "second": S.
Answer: {"hour": 12, "minute": 37, "second": 24}
